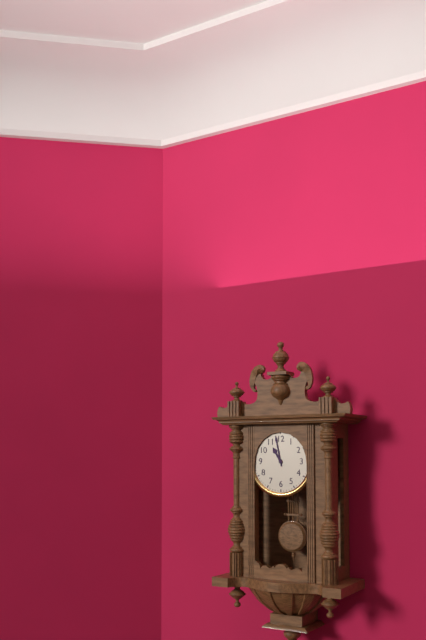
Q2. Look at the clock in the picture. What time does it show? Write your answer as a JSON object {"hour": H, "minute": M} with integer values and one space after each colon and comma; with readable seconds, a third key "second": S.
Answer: {"hour": 10, "minute": 58}
